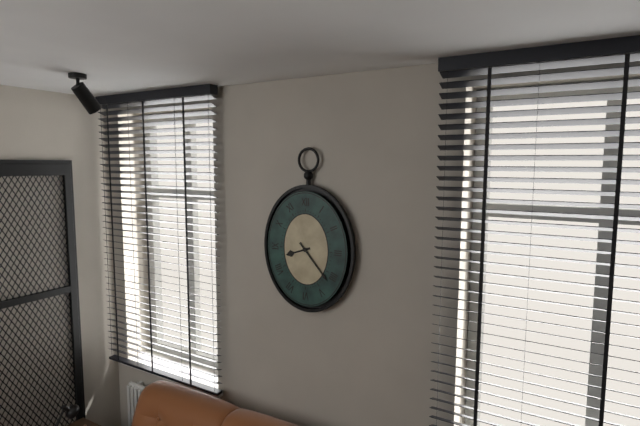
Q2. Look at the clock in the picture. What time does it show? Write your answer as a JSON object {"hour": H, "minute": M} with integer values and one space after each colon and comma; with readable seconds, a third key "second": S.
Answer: {"hour": 8, "minute": 23}
